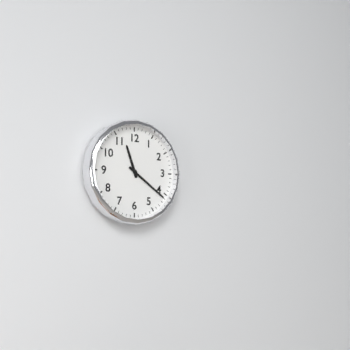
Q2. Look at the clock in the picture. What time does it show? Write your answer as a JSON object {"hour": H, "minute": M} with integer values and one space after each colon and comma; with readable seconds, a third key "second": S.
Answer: {"hour": 11, "minute": 21}
